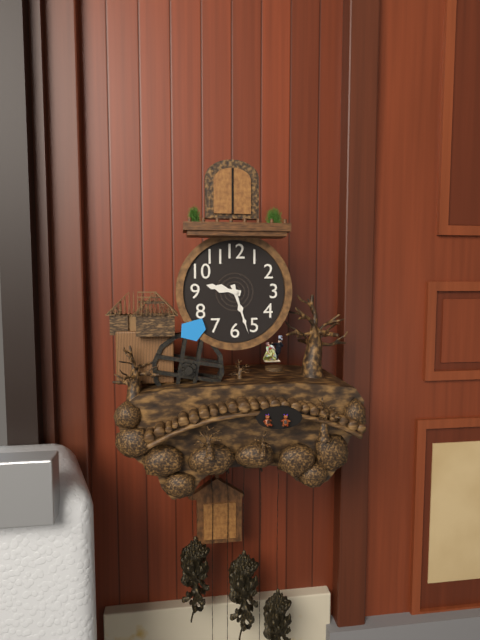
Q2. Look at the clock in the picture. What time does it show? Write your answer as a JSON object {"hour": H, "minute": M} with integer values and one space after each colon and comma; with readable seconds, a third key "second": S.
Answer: {"hour": 9, "minute": 27}
